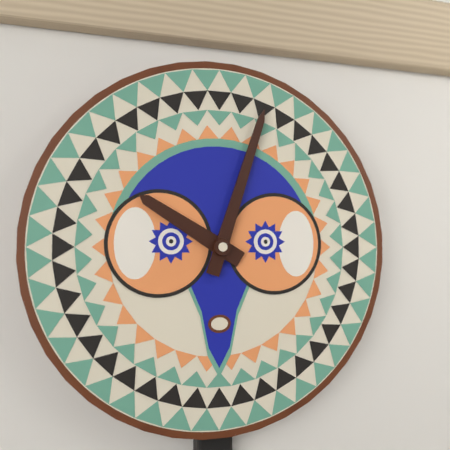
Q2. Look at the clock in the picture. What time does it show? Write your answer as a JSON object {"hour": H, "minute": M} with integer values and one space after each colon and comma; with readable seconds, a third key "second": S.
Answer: {"hour": 10, "minute": 3}
